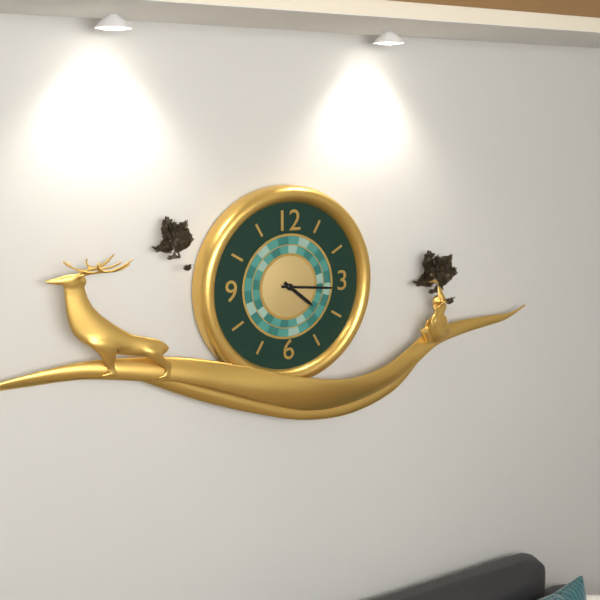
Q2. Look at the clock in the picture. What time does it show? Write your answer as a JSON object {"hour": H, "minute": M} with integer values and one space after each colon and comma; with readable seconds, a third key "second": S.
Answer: {"hour": 4, "minute": 16}
